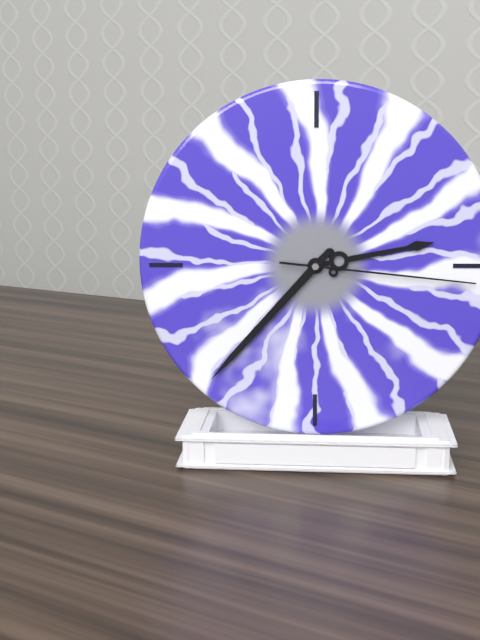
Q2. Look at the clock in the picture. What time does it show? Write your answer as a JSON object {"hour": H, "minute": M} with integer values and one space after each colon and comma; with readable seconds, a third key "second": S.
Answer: {"hour": 2, "minute": 37, "second": 16}
